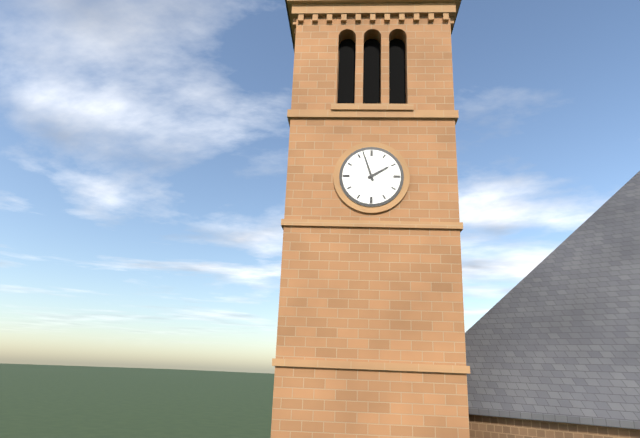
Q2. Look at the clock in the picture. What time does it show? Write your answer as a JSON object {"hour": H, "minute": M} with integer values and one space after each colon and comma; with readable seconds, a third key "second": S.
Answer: {"hour": 1, "minute": 57}
